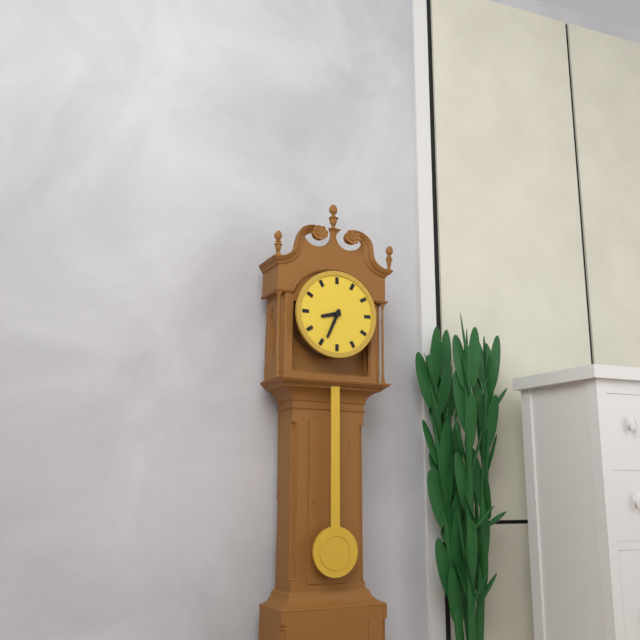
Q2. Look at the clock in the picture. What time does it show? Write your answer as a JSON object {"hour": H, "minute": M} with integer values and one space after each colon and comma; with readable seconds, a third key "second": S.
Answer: {"hour": 8, "minute": 34}
